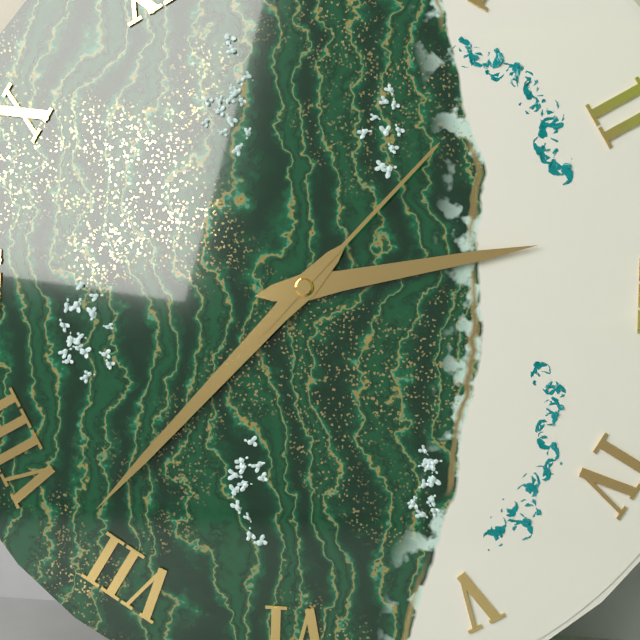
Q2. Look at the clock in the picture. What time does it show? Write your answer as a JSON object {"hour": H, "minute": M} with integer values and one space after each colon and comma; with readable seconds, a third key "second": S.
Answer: {"hour": 2, "minute": 37, "second": 7}
